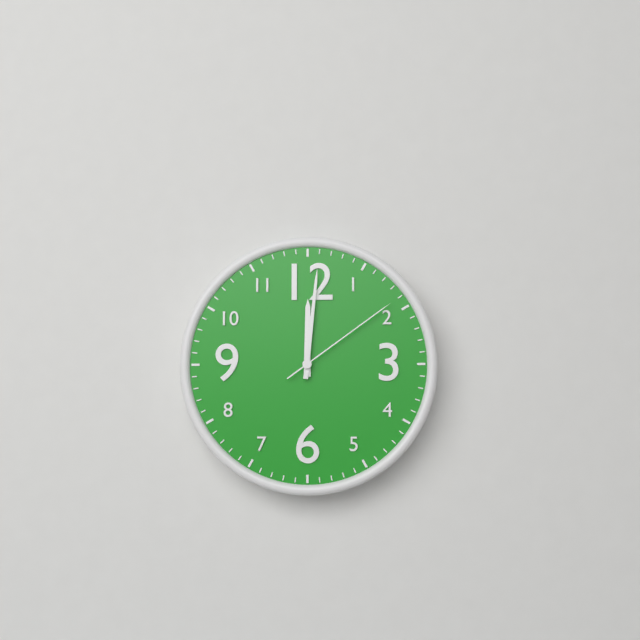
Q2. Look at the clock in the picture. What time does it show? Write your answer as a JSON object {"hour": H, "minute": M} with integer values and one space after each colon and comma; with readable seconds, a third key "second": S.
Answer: {"hour": 12, "minute": 1, "second": 9}
